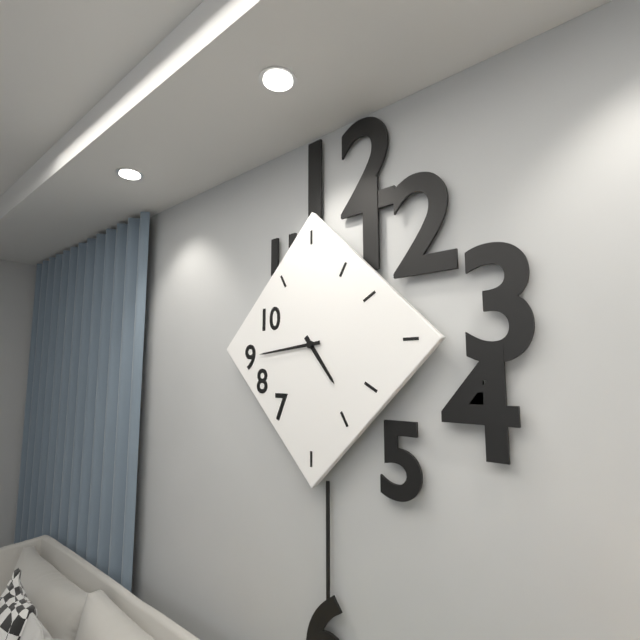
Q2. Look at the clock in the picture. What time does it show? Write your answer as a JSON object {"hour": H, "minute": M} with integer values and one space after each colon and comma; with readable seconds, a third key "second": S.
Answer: {"hour": 4, "minute": 44}
